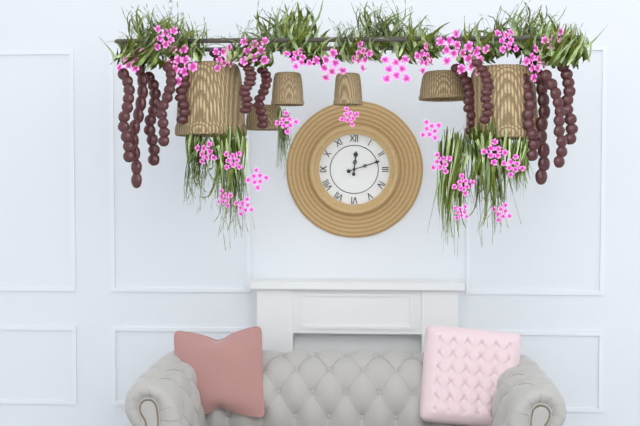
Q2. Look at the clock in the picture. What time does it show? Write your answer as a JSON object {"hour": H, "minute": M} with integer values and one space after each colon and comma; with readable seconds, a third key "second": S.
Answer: {"hour": 12, "minute": 12}
